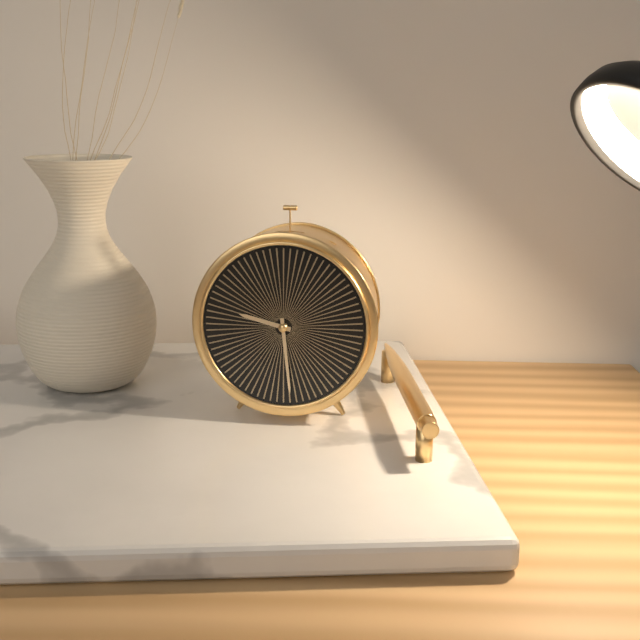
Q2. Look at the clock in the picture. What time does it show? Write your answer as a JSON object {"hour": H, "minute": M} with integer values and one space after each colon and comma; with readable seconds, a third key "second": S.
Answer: {"hour": 9, "minute": 29}
